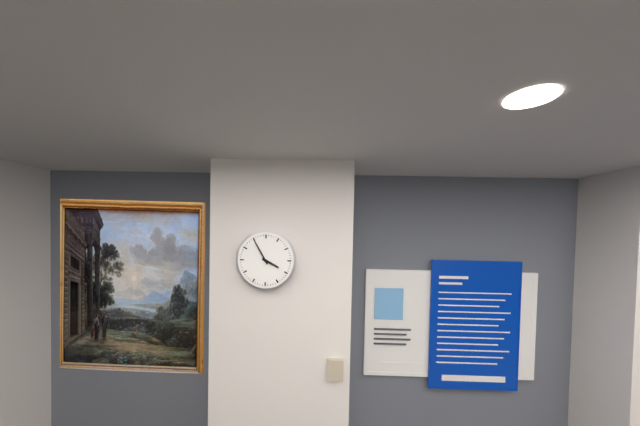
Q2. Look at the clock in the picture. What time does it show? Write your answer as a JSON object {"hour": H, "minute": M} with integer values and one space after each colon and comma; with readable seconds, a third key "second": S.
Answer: {"hour": 3, "minute": 55}
